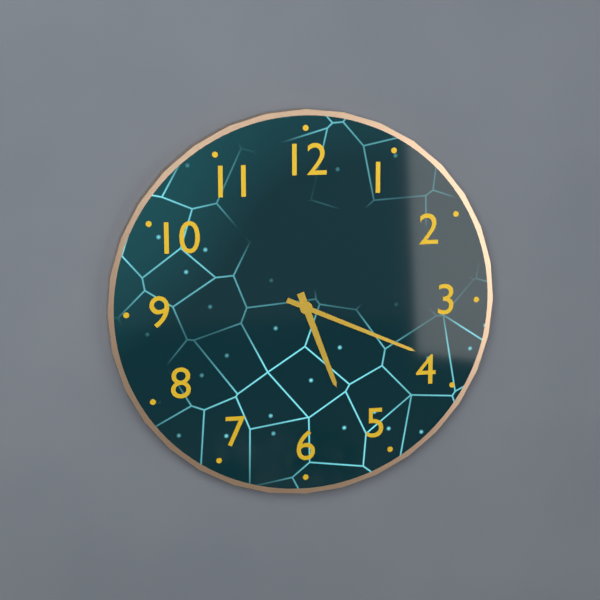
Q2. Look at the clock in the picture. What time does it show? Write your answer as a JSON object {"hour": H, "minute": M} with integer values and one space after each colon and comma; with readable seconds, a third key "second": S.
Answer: {"hour": 5, "minute": 19}
